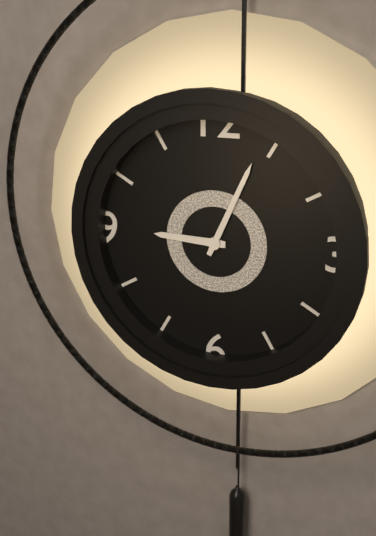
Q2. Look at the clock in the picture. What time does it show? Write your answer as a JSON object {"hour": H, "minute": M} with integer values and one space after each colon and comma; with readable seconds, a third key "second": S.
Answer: {"hour": 9, "minute": 4}
